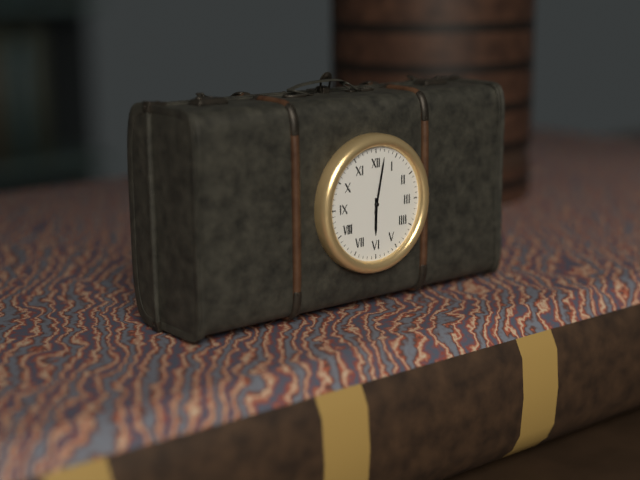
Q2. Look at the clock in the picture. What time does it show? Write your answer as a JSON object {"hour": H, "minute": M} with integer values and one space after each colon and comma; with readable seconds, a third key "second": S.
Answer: {"hour": 6, "minute": 2}
